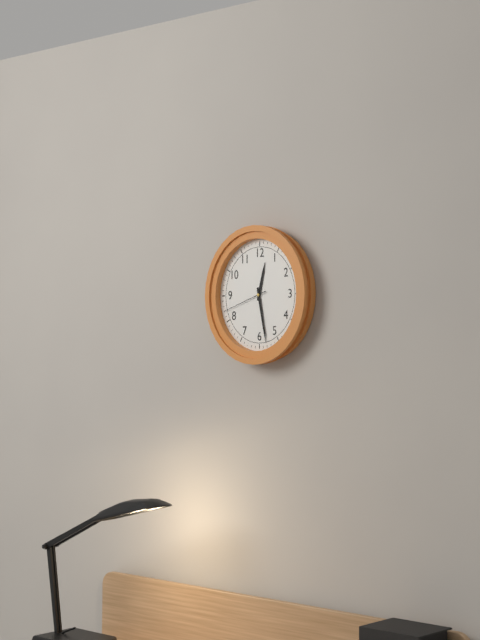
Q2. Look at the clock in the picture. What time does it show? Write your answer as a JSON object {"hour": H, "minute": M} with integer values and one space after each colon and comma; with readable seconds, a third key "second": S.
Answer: {"hour": 12, "minute": 28}
